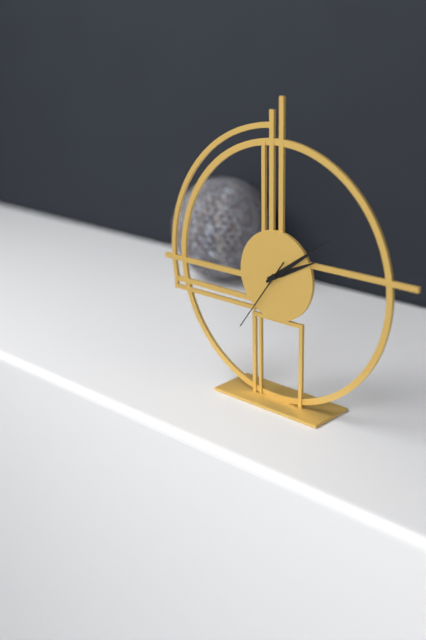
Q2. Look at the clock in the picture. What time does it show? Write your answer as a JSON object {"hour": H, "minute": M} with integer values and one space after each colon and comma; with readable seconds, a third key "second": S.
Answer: {"hour": 2, "minute": 9, "second": 36}
